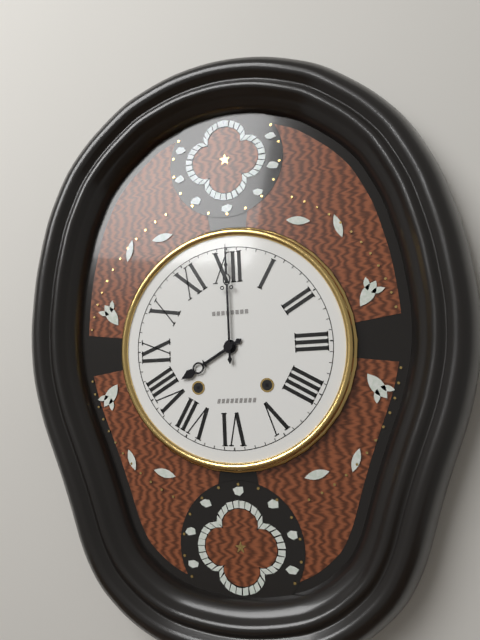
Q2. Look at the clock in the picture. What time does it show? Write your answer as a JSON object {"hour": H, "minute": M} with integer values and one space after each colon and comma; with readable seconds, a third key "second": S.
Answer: {"hour": 8, "minute": 0}
